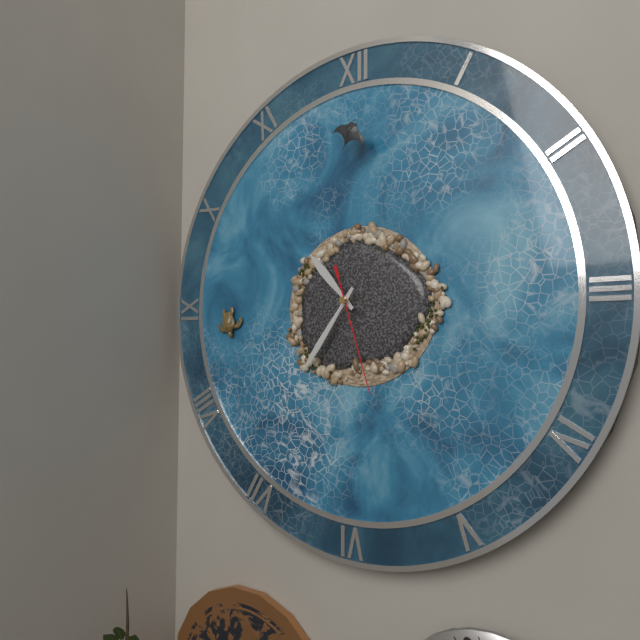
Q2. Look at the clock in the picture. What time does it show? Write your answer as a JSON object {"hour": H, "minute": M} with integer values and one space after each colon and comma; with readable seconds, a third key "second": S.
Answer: {"hour": 10, "minute": 36, "second": 27}
